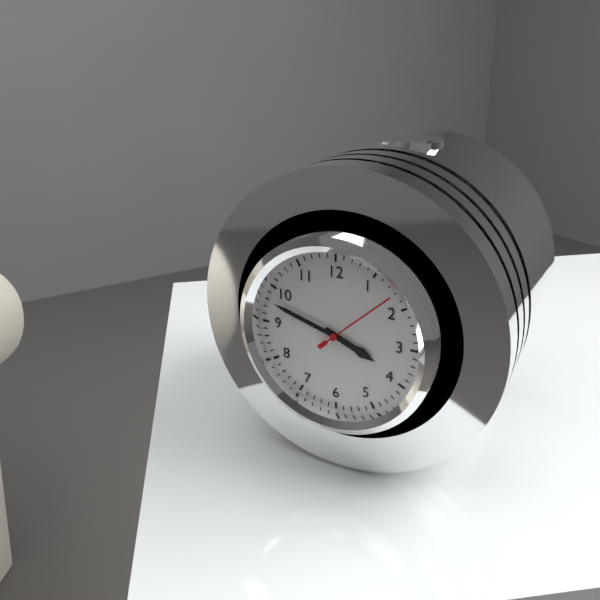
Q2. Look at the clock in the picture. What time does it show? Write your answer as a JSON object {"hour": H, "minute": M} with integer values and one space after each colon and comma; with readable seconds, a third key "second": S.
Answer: {"hour": 3, "minute": 48, "second": 8}
